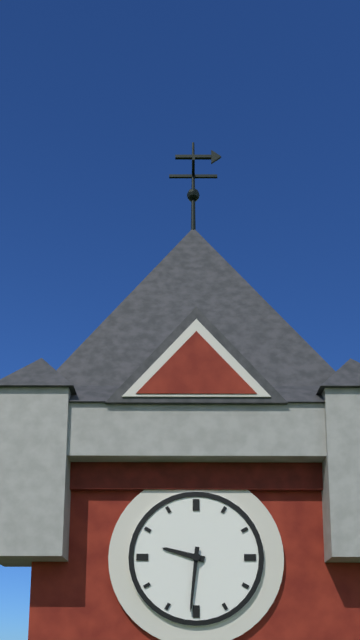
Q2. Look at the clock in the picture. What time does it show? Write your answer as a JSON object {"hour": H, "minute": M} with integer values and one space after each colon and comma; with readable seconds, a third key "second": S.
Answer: {"hour": 9, "minute": 31}
